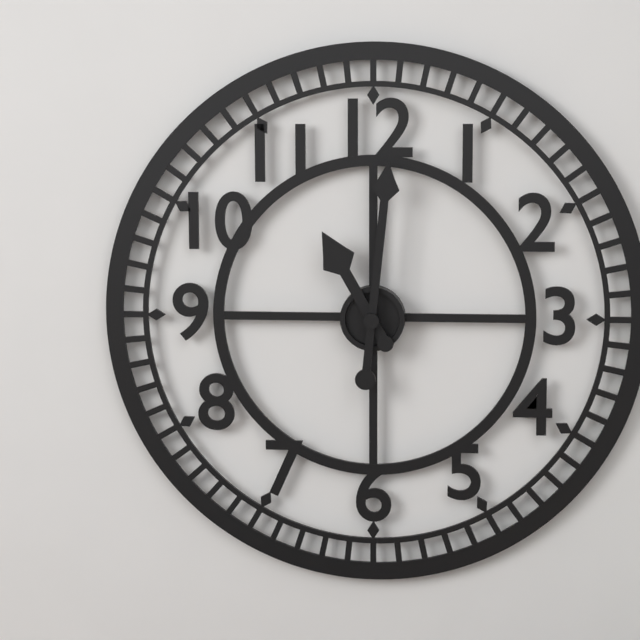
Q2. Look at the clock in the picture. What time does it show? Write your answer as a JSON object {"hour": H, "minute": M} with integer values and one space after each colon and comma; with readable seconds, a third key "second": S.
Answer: {"hour": 11, "minute": 1}
